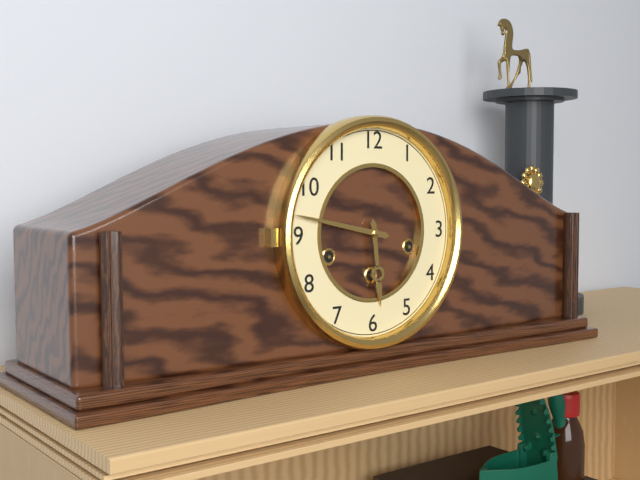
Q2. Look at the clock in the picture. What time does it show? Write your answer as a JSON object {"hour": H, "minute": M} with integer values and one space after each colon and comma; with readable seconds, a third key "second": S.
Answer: {"hour": 5, "minute": 47}
